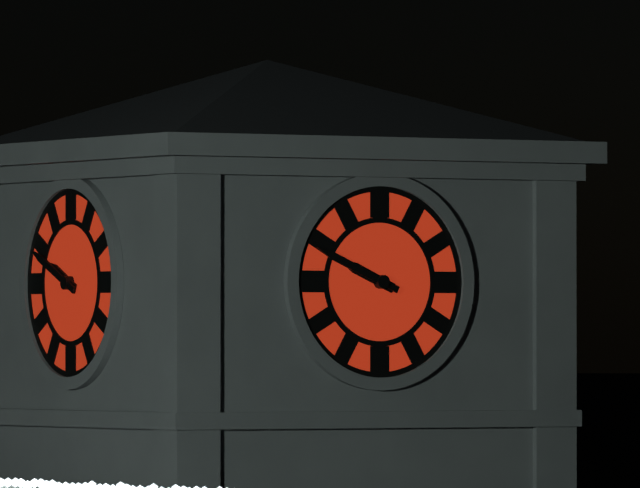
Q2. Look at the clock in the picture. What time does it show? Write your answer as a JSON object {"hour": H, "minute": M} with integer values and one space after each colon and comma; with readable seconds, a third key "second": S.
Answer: {"hour": 9, "minute": 49}
